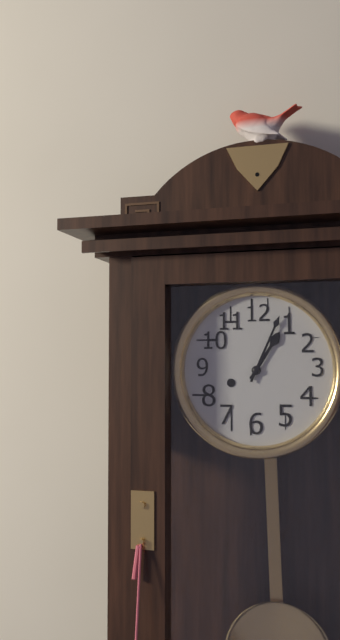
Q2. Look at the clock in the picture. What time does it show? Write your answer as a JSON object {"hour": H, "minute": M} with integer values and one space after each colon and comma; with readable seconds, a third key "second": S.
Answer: {"hour": 1, "minute": 4}
